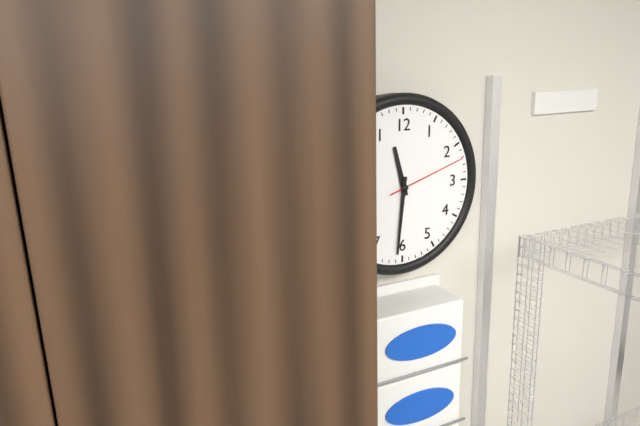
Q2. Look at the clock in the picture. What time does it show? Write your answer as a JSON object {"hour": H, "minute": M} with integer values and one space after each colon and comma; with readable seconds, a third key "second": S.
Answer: {"hour": 11, "minute": 31, "second": 12}
